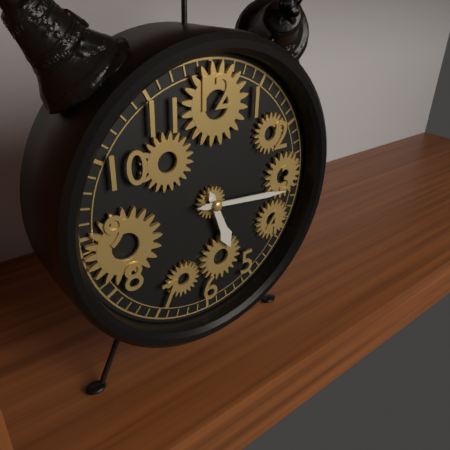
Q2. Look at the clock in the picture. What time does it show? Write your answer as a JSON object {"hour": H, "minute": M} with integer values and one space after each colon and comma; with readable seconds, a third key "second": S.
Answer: {"hour": 5, "minute": 16}
